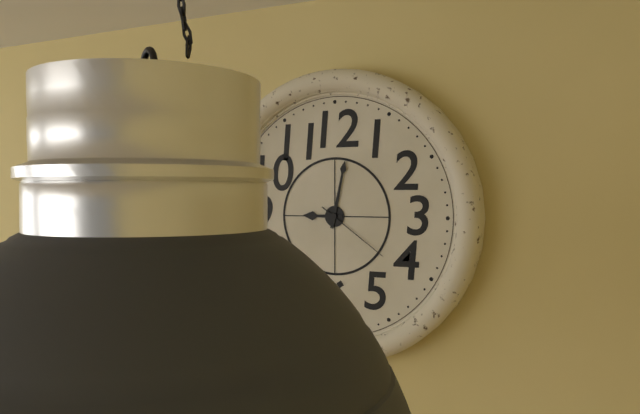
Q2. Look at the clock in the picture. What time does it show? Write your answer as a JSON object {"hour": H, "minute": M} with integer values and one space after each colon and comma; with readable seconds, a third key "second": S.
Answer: {"hour": 9, "minute": 2, "second": 21}
